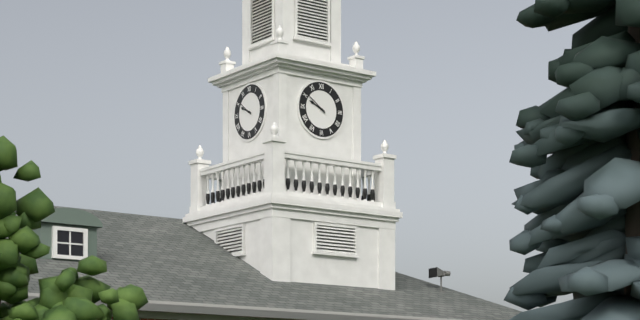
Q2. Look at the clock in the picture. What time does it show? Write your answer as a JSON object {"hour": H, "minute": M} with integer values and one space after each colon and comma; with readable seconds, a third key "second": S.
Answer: {"hour": 9, "minute": 51}
